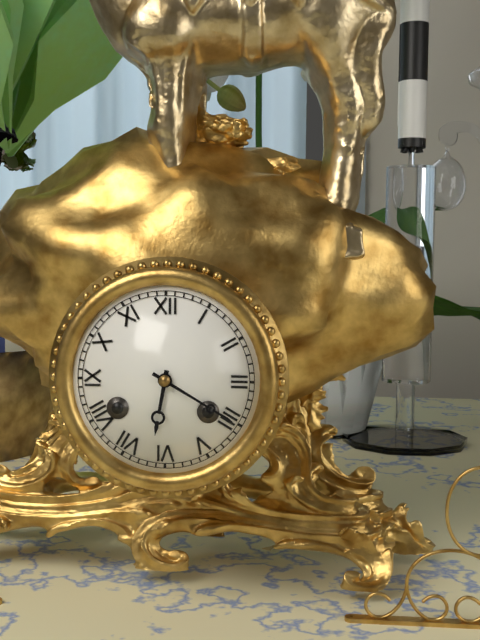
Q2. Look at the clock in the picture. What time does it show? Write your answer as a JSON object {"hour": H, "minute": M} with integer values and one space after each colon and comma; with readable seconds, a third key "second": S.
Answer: {"hour": 6, "minute": 20}
